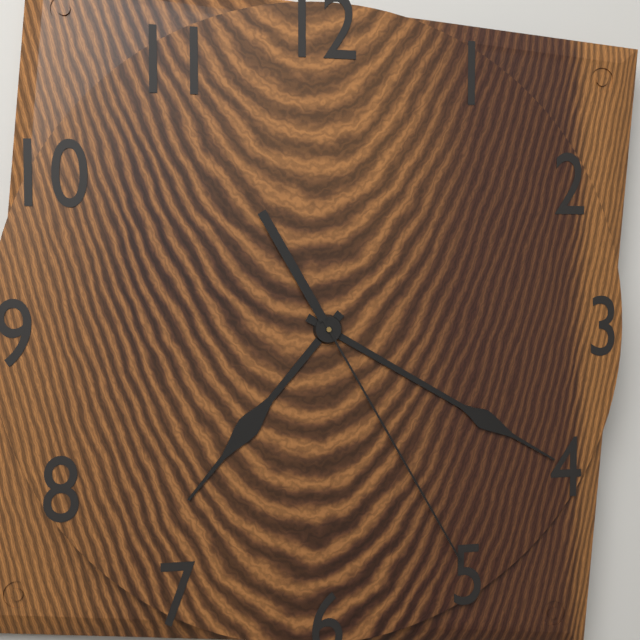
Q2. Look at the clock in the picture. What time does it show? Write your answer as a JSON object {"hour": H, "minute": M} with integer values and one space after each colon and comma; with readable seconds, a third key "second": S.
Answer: {"hour": 7, "minute": 20, "second": 25}
